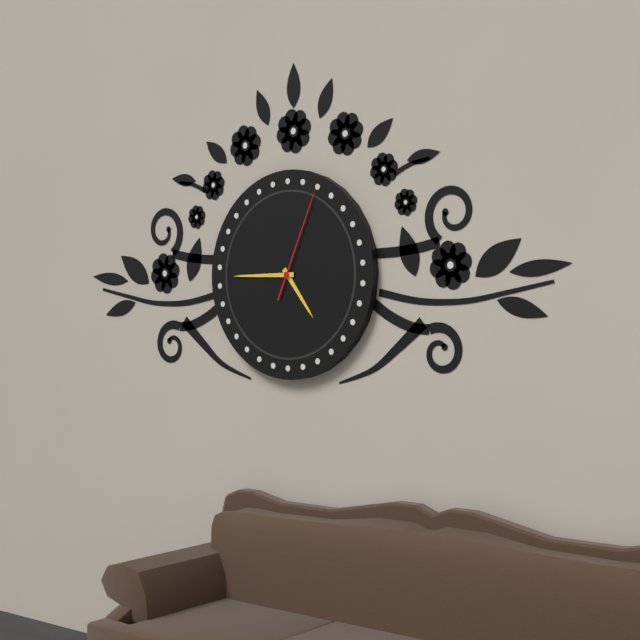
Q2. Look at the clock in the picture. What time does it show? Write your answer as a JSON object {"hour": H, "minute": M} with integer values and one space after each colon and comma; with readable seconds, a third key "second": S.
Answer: {"hour": 4, "minute": 45, "second": 4}
